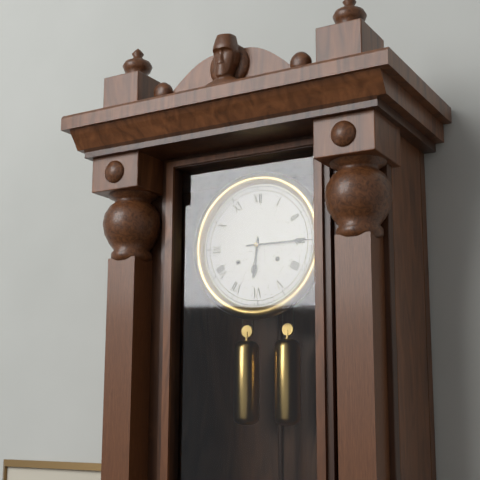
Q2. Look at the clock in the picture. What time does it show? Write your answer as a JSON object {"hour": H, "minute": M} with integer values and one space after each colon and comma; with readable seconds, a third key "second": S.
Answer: {"hour": 6, "minute": 15}
